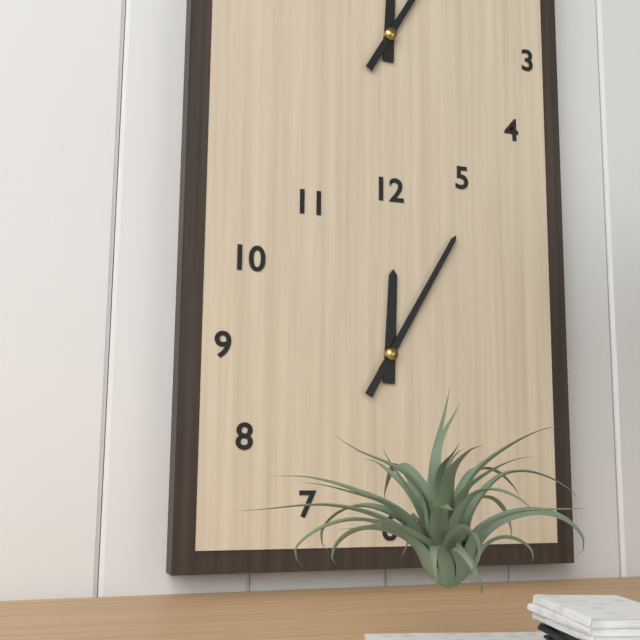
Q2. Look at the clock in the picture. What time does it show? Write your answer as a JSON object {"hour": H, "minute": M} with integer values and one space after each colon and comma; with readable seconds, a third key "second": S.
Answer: {"hour": 12, "minute": 5}
